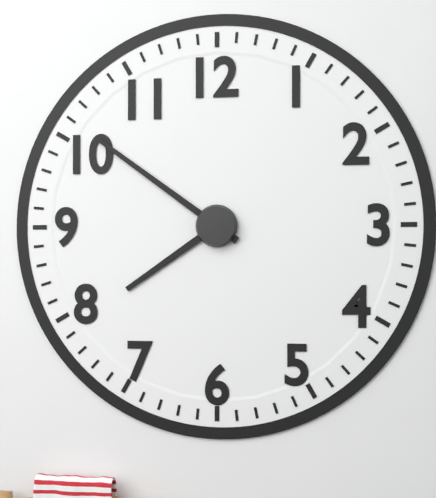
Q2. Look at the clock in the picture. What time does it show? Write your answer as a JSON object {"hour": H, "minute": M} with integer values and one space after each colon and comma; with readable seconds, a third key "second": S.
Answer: {"hour": 7, "minute": 51}
